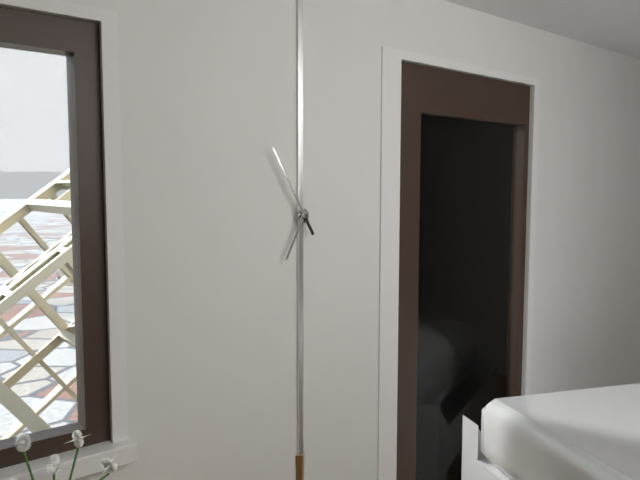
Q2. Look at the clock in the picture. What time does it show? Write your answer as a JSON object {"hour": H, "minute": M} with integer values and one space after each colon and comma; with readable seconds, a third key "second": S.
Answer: {"hour": 6, "minute": 55}
